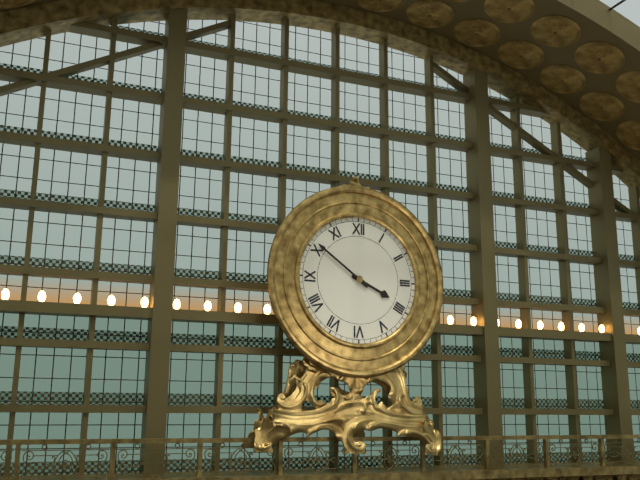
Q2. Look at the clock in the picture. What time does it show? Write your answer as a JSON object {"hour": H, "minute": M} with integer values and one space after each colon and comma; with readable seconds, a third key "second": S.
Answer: {"hour": 3, "minute": 51}
